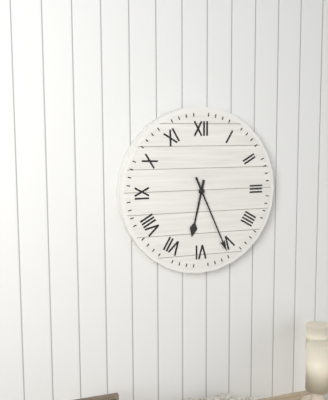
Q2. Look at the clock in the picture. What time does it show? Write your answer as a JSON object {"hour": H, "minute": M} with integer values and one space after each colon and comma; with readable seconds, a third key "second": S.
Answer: {"hour": 6, "minute": 26}
